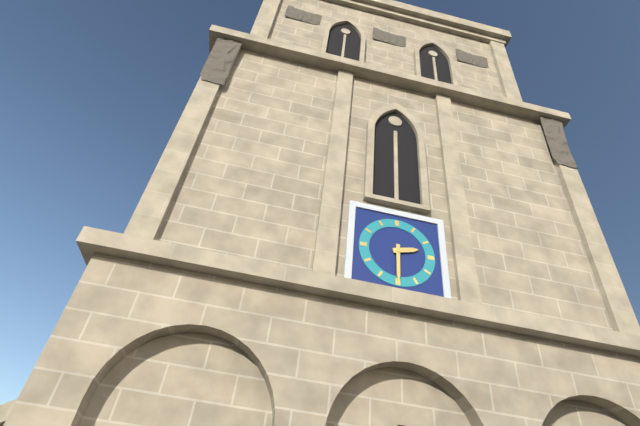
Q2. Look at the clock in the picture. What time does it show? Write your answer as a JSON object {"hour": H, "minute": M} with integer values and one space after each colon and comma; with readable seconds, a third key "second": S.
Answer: {"hour": 2, "minute": 30}
